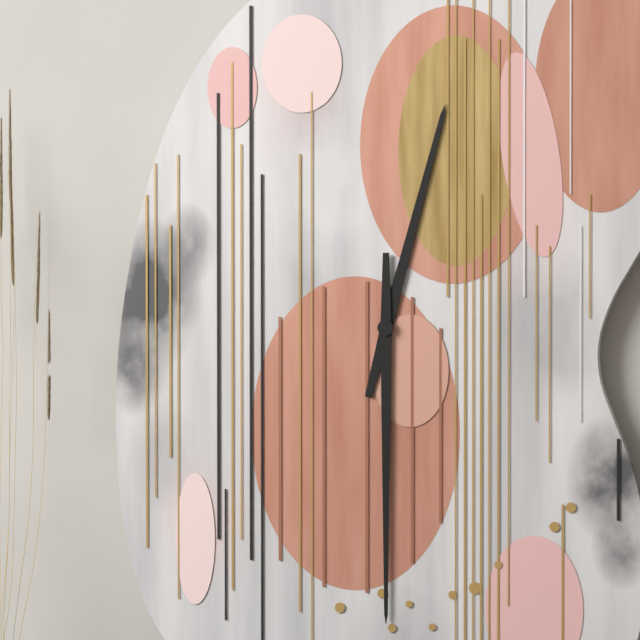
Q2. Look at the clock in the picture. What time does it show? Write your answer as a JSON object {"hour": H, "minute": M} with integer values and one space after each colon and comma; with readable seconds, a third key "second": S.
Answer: {"hour": 12, "minute": 30}
